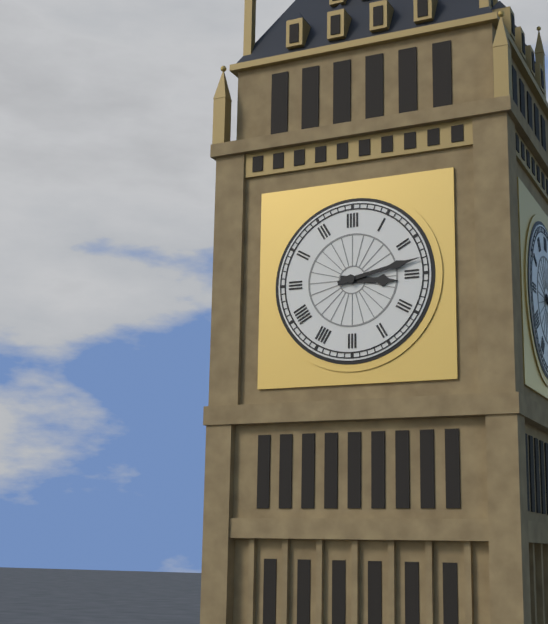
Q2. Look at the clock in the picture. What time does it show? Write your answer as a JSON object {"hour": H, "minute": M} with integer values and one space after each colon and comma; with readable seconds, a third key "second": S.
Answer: {"hour": 3, "minute": 13}
